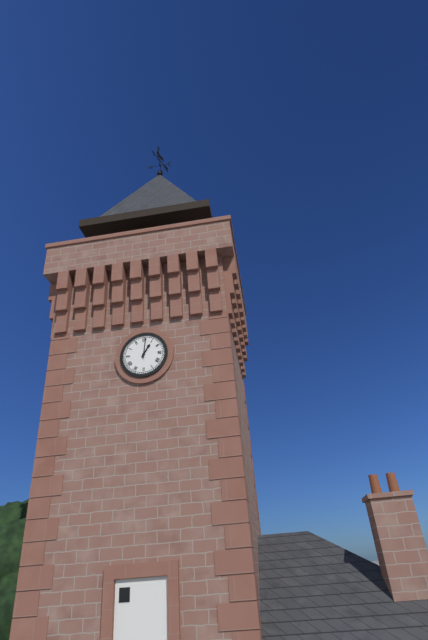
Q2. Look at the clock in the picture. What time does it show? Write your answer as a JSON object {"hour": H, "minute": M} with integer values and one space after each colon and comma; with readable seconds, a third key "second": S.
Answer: {"hour": 1, "minute": 1}
